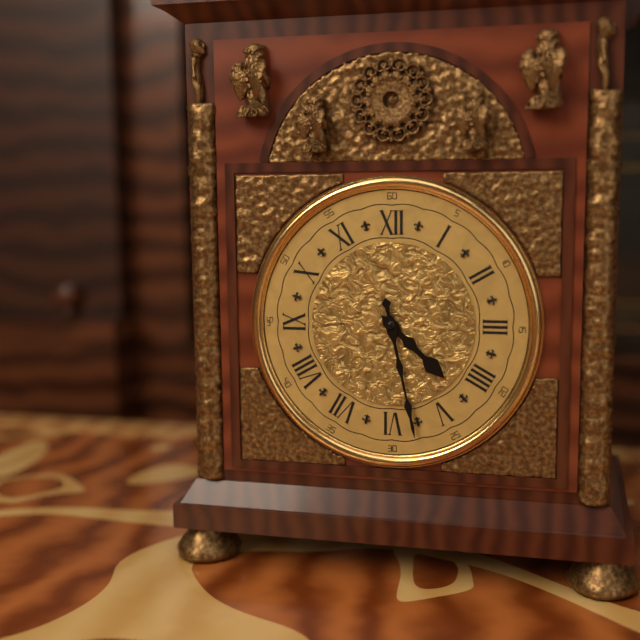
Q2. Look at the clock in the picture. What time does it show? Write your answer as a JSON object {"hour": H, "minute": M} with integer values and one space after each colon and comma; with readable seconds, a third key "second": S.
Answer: {"hour": 4, "minute": 28}
